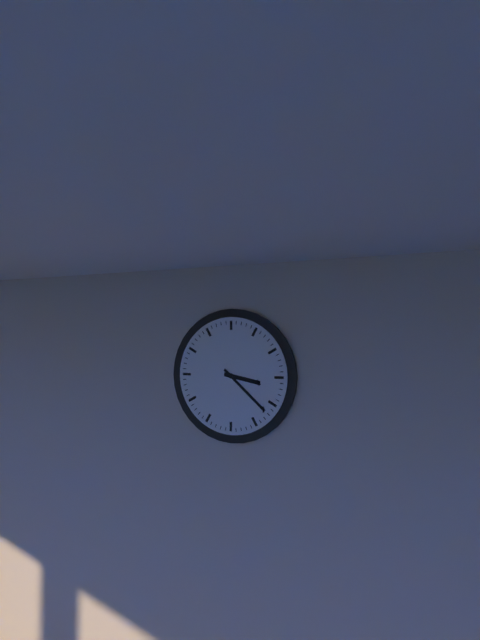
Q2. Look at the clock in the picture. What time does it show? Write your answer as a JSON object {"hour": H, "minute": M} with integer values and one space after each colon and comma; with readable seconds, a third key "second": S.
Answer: {"hour": 3, "minute": 22}
